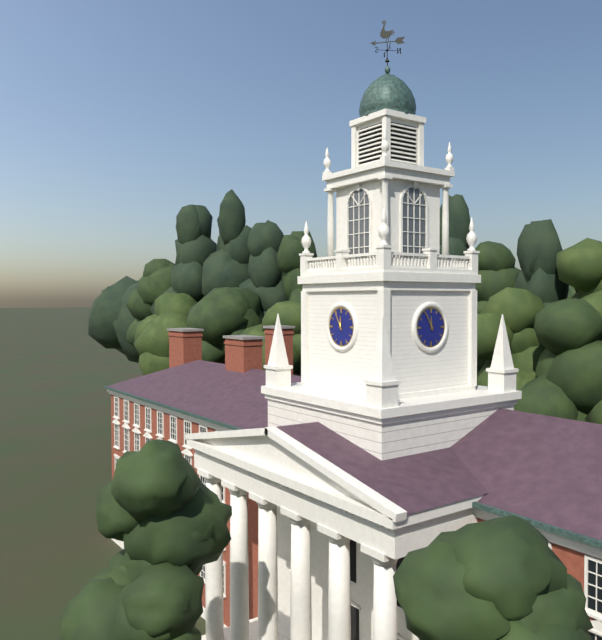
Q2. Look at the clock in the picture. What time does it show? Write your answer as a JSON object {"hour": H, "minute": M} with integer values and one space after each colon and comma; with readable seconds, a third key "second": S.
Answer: {"hour": 11, "minute": 55}
